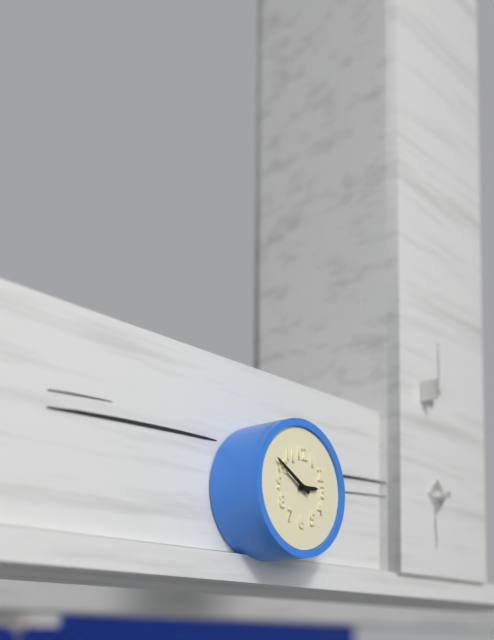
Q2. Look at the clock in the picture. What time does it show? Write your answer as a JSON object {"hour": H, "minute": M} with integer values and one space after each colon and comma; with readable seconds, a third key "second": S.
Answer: {"hour": 2, "minute": 50}
